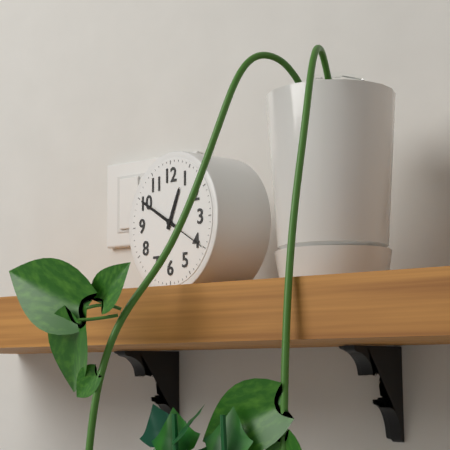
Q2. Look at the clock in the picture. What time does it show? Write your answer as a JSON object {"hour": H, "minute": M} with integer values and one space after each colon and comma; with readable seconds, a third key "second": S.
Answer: {"hour": 12, "minute": 50, "second": 20}
